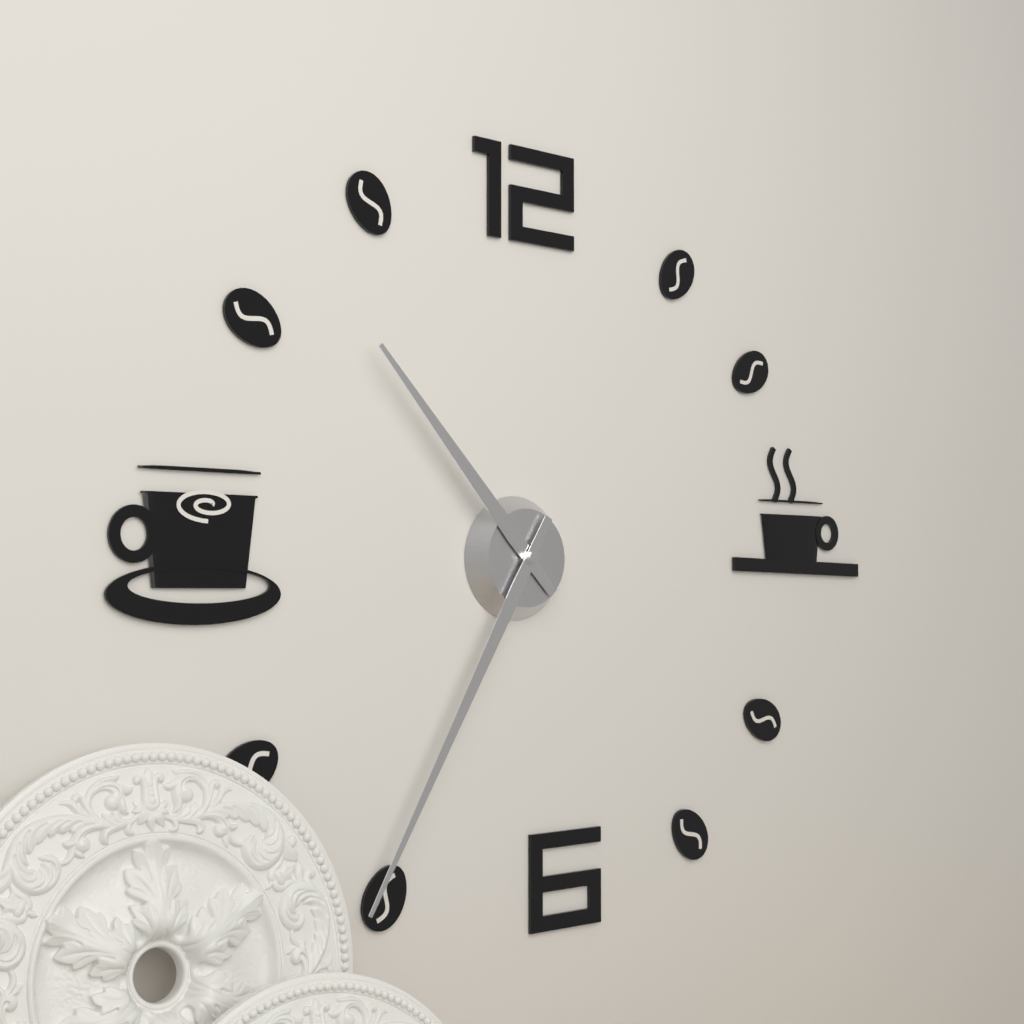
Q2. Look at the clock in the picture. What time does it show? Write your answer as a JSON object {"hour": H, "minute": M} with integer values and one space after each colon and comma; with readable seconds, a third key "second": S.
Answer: {"hour": 10, "minute": 35}
